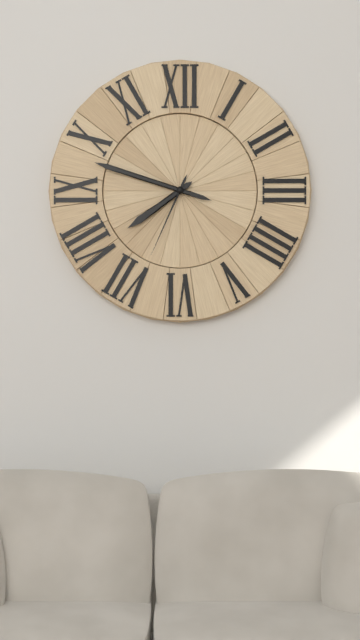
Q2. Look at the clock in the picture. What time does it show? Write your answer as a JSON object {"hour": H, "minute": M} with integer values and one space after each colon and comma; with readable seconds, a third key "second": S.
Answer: {"hour": 7, "minute": 48, "second": 34}
